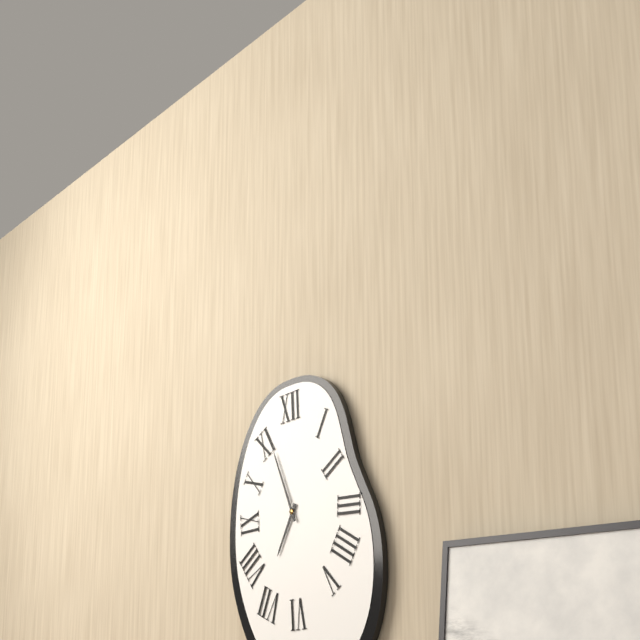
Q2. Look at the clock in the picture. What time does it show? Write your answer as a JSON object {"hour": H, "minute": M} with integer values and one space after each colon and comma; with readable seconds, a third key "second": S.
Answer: {"hour": 6, "minute": 56}
